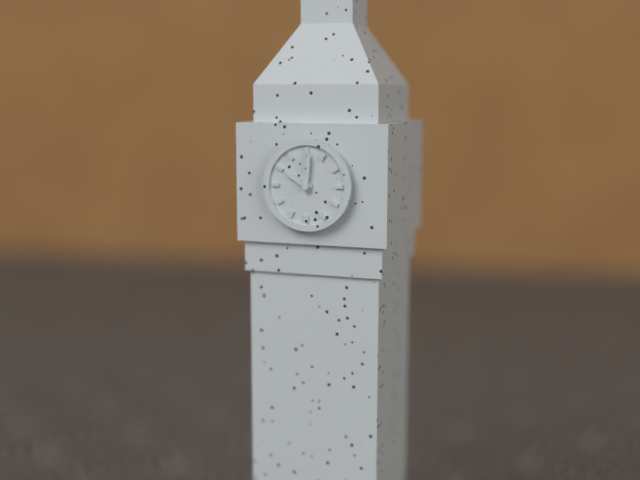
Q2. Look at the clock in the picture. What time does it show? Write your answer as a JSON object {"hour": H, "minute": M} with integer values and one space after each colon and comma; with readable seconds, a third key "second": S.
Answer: {"hour": 10, "minute": 1}
